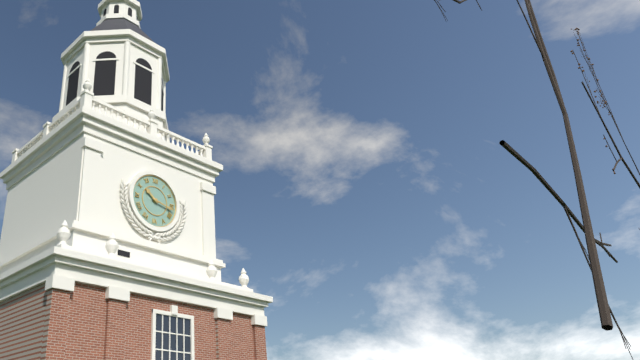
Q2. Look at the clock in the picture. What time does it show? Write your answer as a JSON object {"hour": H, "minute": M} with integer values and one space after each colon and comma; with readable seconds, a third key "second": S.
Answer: {"hour": 10, "minute": 17}
